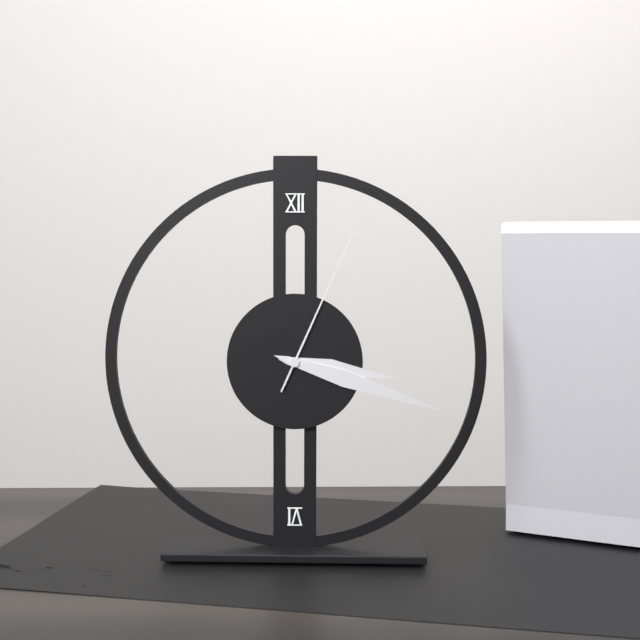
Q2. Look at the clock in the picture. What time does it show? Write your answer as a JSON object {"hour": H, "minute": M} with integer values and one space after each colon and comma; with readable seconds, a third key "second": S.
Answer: {"hour": 3, "minute": 18, "second": 4}
